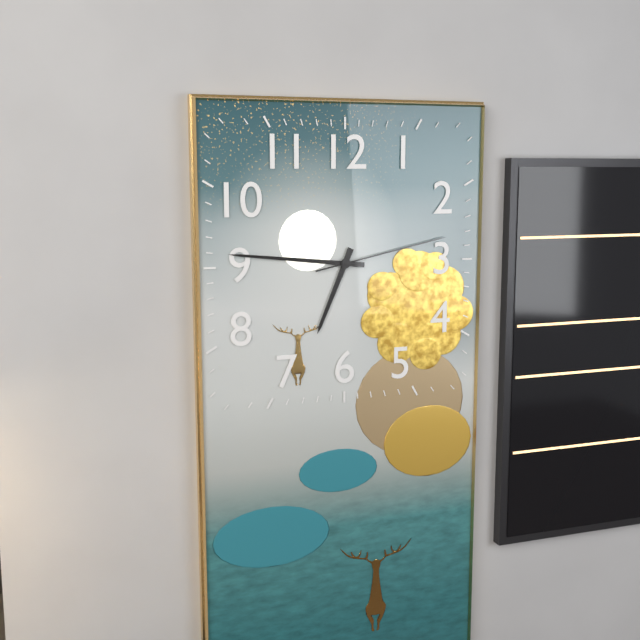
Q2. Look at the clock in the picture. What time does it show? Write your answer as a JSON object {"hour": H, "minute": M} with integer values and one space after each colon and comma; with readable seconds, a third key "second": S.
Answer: {"hour": 6, "minute": 46, "second": 13}
